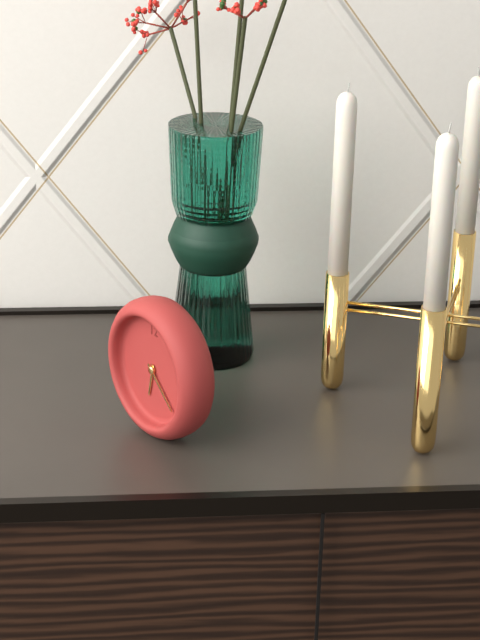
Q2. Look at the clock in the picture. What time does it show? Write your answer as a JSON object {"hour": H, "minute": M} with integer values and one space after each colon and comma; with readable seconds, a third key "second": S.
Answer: {"hour": 6, "minute": 22}
